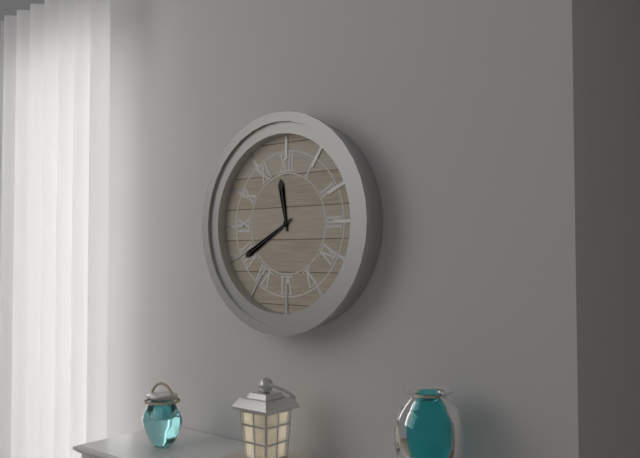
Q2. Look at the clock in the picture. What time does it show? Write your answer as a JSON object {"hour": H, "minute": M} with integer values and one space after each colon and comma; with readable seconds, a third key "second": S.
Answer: {"hour": 11, "minute": 40}
